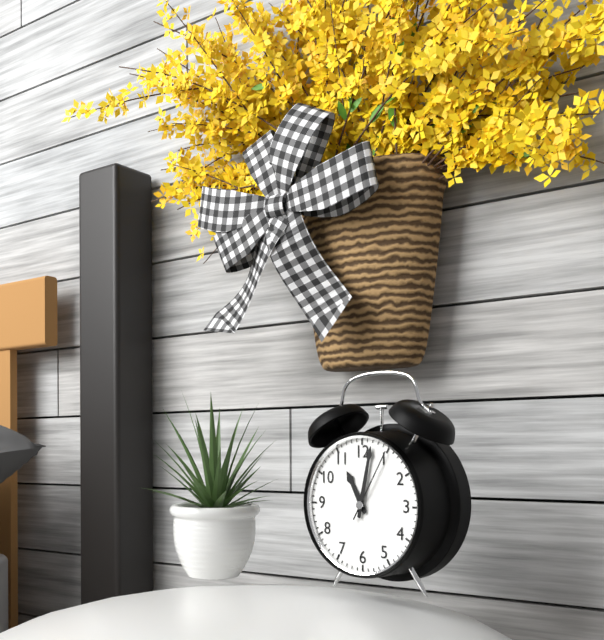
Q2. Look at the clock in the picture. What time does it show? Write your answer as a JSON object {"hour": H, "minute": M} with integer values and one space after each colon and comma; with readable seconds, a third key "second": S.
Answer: {"hour": 11, "minute": 2, "second": 5}
